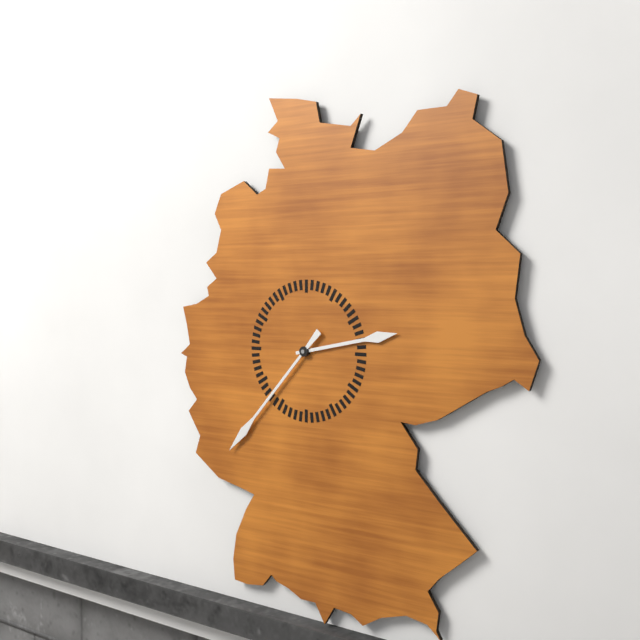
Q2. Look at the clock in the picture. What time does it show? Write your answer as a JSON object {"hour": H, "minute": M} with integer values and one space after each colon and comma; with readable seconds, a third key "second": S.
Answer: {"hour": 2, "minute": 37}
